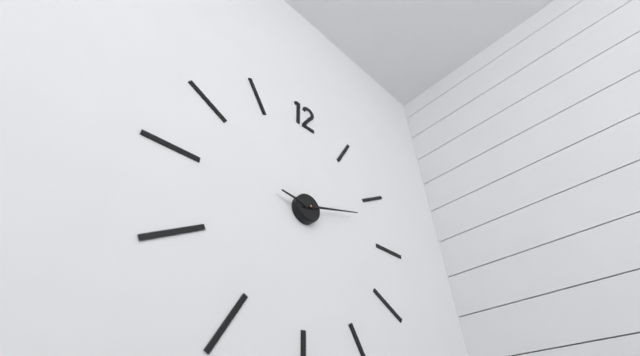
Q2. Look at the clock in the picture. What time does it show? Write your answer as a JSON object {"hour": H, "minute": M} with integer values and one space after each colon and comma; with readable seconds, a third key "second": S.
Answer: {"hour": 9, "minute": 12}
